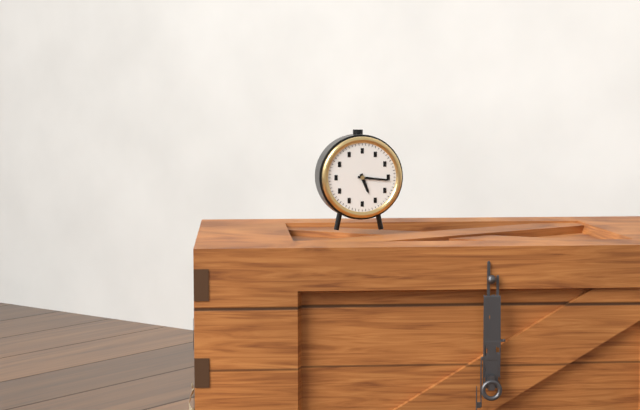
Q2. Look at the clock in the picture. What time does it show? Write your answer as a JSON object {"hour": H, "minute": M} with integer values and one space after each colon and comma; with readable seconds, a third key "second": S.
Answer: {"hour": 5, "minute": 16}
